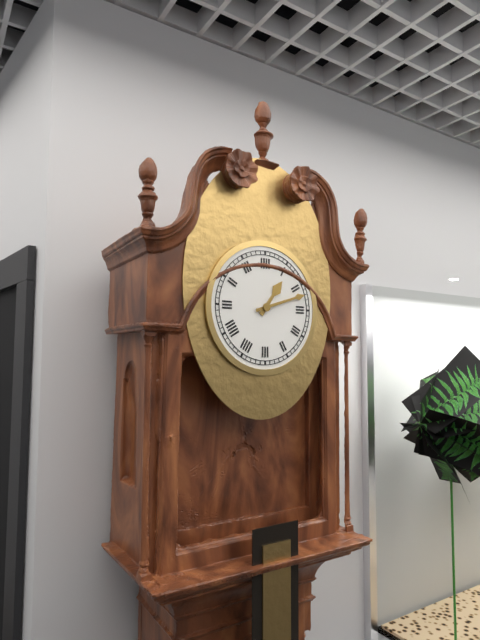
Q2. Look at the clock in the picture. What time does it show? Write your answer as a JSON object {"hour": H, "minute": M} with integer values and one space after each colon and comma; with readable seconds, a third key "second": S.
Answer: {"hour": 1, "minute": 12}
